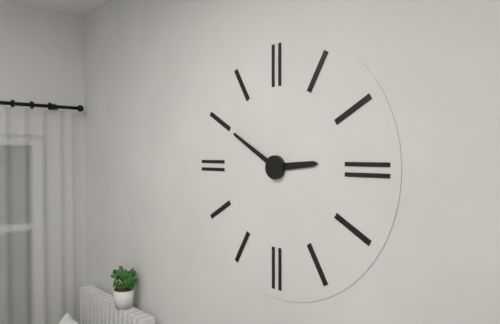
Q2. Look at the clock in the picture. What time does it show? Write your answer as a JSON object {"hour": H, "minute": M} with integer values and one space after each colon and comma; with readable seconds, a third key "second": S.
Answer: {"hour": 2, "minute": 50}
